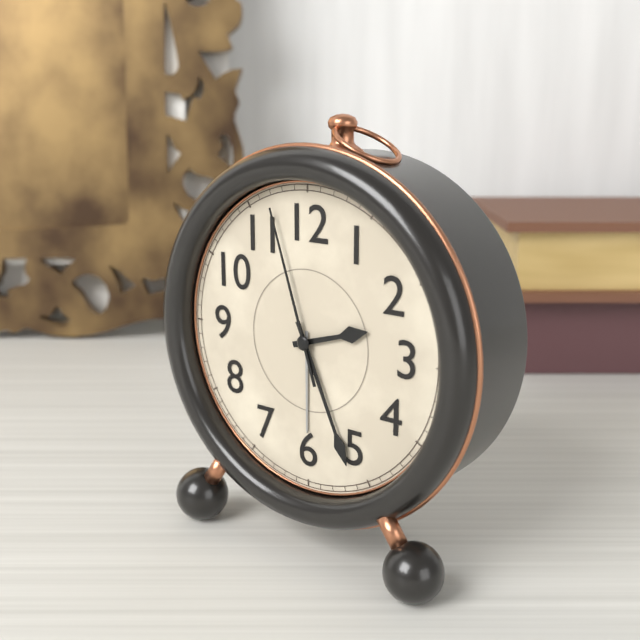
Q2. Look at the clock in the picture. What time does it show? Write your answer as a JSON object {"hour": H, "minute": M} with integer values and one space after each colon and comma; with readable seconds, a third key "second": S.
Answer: {"hour": 2, "minute": 26, "second": 57}
